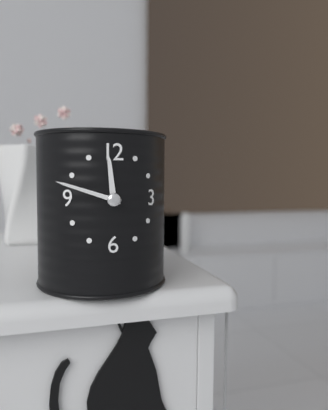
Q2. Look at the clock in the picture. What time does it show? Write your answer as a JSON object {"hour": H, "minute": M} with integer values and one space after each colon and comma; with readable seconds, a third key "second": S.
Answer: {"hour": 11, "minute": 48}
